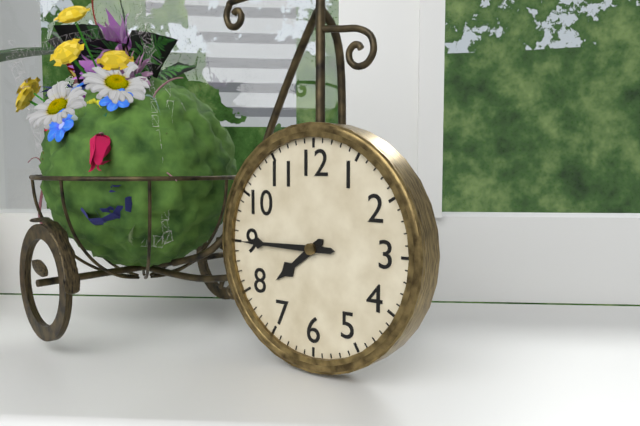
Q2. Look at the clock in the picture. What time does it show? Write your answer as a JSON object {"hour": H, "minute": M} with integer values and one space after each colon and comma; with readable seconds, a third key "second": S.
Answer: {"hour": 7, "minute": 45}
